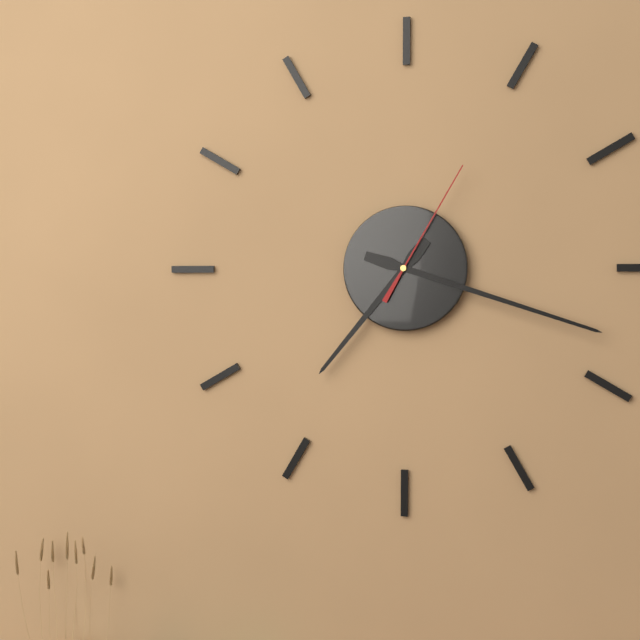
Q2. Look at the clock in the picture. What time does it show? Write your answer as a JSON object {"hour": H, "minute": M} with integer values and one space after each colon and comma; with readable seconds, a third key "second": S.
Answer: {"hour": 7, "minute": 18, "second": 5}
